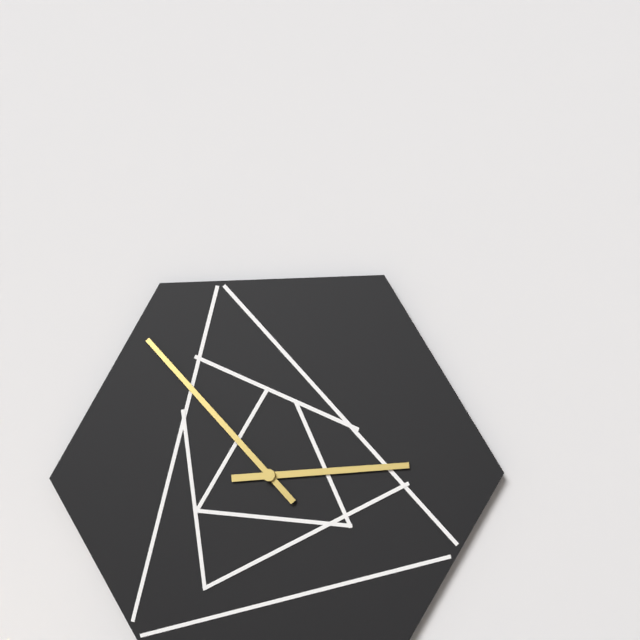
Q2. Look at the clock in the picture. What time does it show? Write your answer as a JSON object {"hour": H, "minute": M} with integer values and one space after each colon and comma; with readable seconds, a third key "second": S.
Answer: {"hour": 2, "minute": 53}
